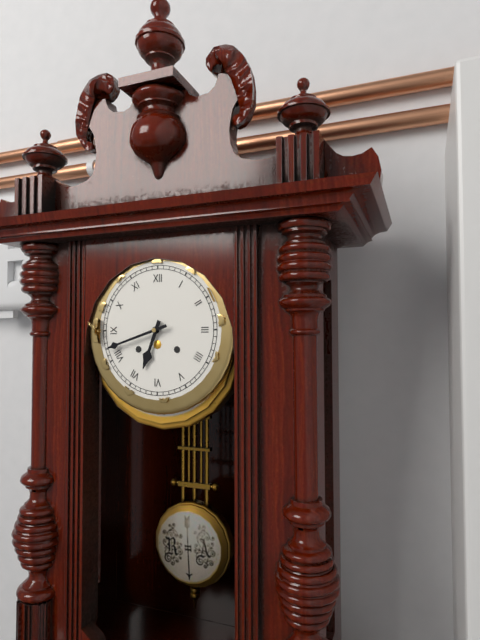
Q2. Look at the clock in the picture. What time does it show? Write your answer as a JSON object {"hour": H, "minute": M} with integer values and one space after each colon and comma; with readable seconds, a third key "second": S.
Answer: {"hour": 6, "minute": 42}
